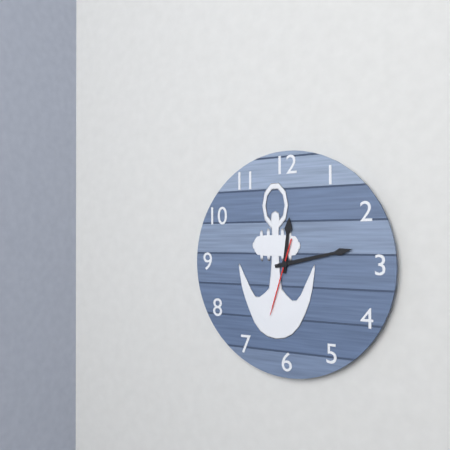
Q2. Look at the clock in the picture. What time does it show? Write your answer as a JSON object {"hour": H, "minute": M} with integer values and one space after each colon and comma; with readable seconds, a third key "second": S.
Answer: {"hour": 12, "minute": 13, "second": 33}
